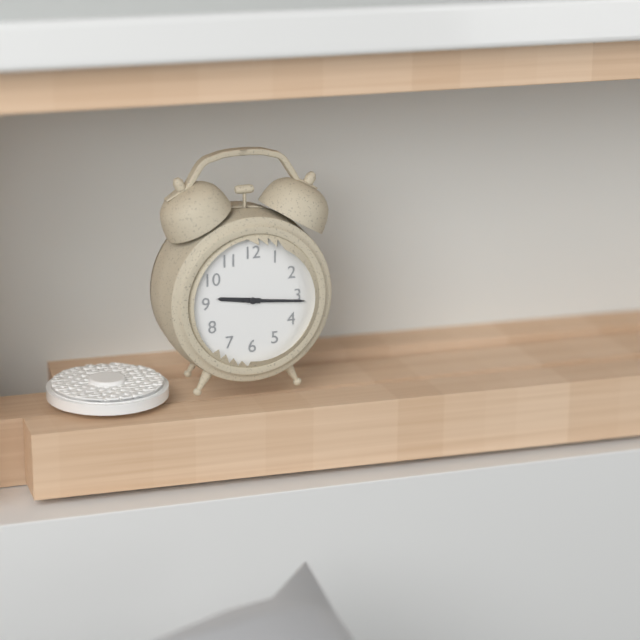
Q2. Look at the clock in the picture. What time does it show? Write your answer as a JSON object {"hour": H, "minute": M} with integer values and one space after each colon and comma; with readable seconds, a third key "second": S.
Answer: {"hour": 9, "minute": 16}
